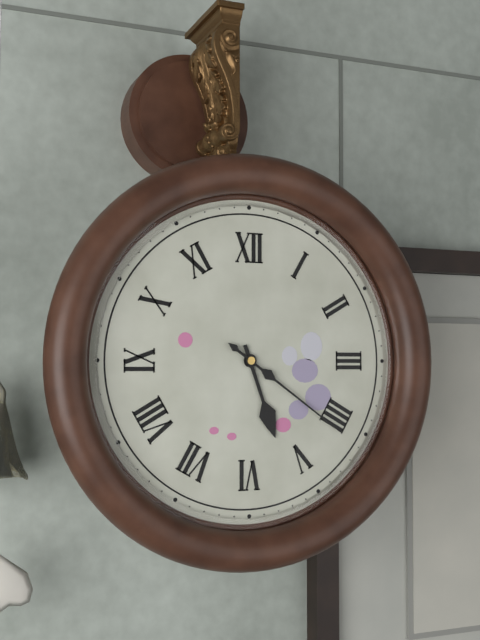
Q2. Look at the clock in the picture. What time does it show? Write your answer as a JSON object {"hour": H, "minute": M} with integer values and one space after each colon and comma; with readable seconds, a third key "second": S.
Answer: {"hour": 5, "minute": 21}
